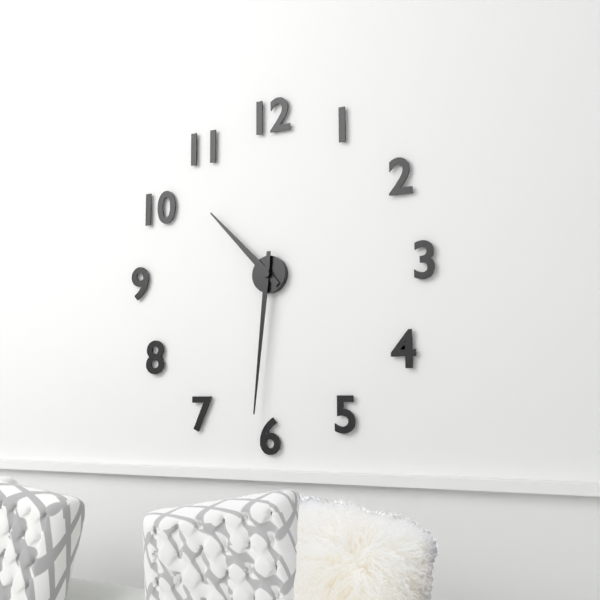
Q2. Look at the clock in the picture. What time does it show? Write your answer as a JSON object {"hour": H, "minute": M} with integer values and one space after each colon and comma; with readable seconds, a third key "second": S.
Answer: {"hour": 10, "minute": 31}
